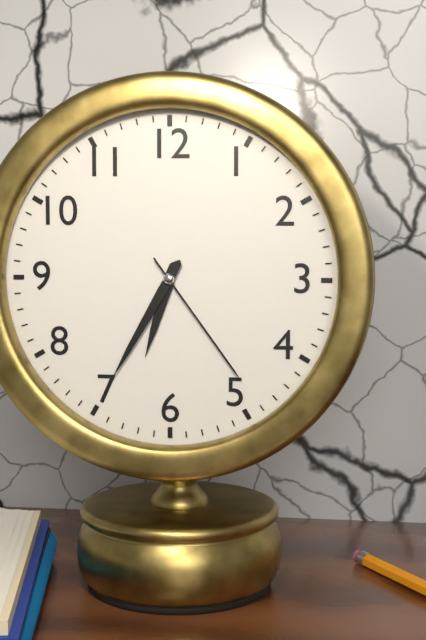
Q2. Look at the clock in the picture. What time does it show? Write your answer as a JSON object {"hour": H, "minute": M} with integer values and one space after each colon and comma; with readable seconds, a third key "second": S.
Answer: {"hour": 6, "minute": 35, "second": 24}
